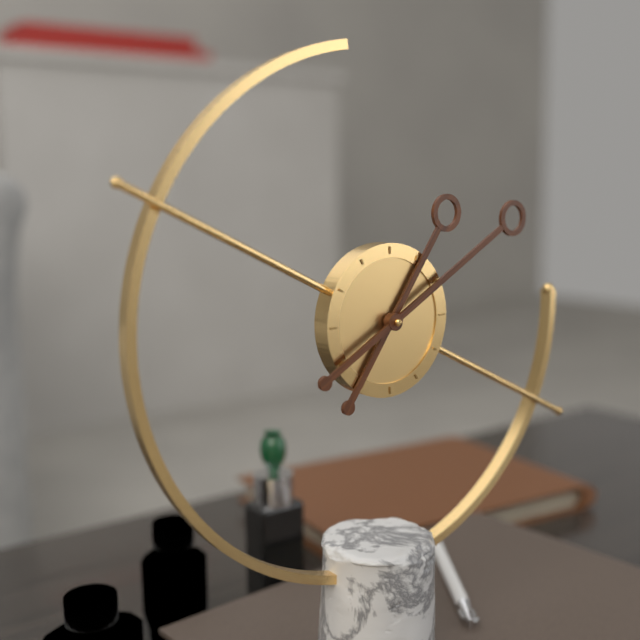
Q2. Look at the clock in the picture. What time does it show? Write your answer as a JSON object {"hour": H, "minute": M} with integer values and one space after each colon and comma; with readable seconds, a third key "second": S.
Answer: {"hour": 1, "minute": 10}
